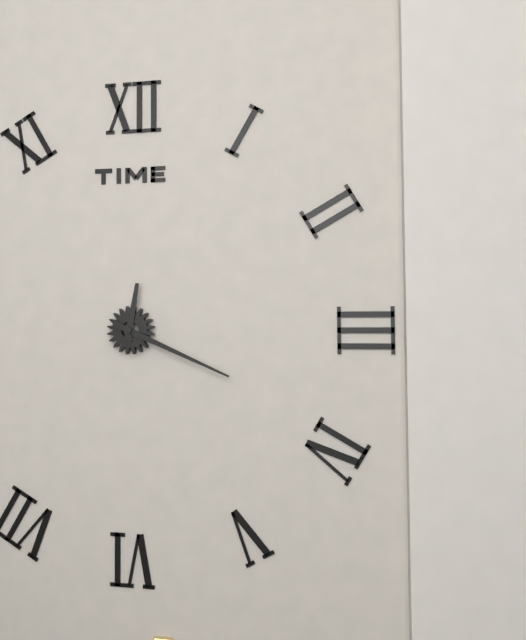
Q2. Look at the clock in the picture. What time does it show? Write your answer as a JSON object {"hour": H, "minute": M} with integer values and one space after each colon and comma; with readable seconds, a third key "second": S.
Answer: {"hour": 12, "minute": 19}
